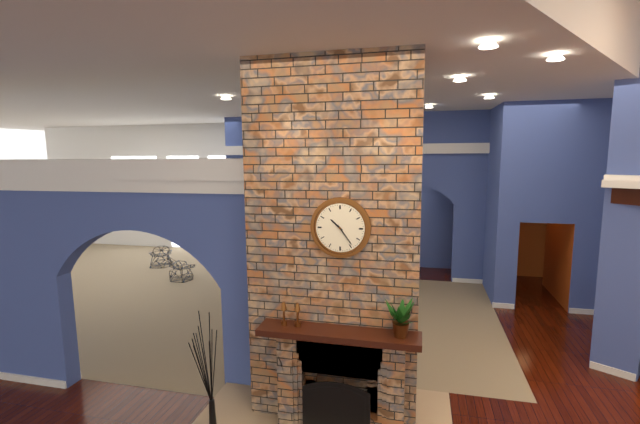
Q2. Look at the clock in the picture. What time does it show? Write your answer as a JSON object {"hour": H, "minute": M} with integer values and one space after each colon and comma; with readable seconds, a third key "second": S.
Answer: {"hour": 10, "minute": 24}
